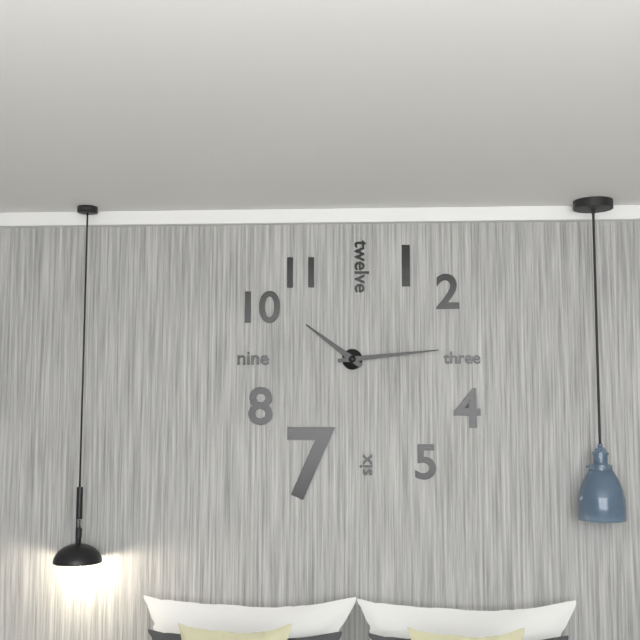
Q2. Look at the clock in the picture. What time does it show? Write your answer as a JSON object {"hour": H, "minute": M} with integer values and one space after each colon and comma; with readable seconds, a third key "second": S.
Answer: {"hour": 10, "minute": 14}
